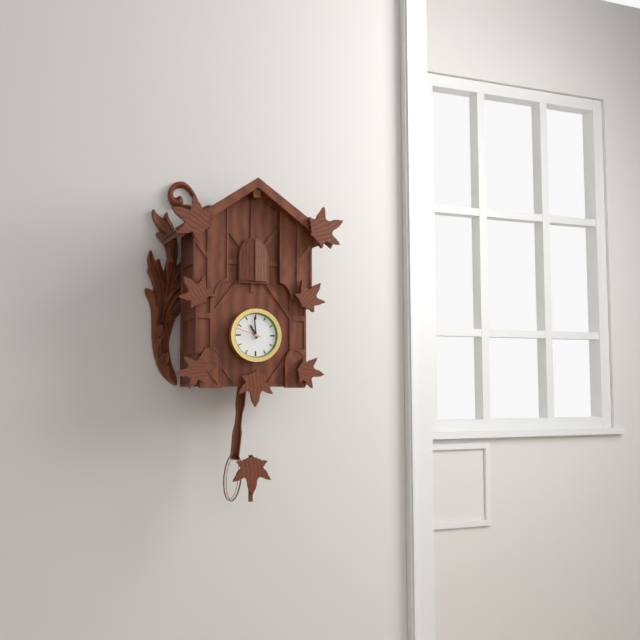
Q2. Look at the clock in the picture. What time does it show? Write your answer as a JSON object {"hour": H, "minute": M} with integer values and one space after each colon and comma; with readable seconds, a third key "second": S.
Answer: {"hour": 10, "minute": 59}
